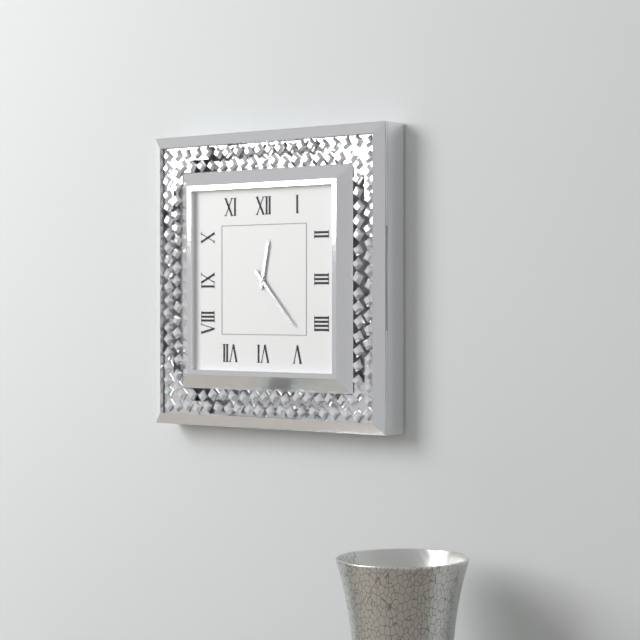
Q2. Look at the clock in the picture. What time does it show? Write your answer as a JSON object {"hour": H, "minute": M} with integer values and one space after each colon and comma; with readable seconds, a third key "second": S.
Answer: {"hour": 12, "minute": 23}
